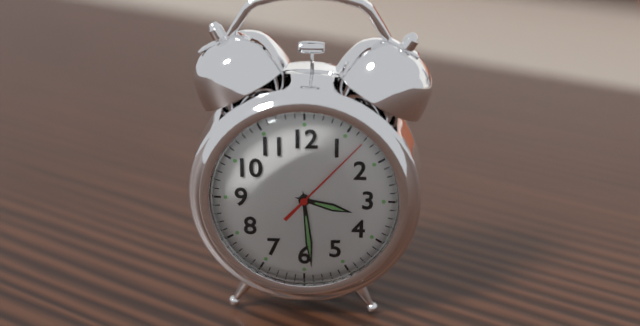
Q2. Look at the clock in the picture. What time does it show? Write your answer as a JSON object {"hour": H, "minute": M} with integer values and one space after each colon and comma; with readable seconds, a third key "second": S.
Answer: {"hour": 3, "minute": 29, "second": 7}
